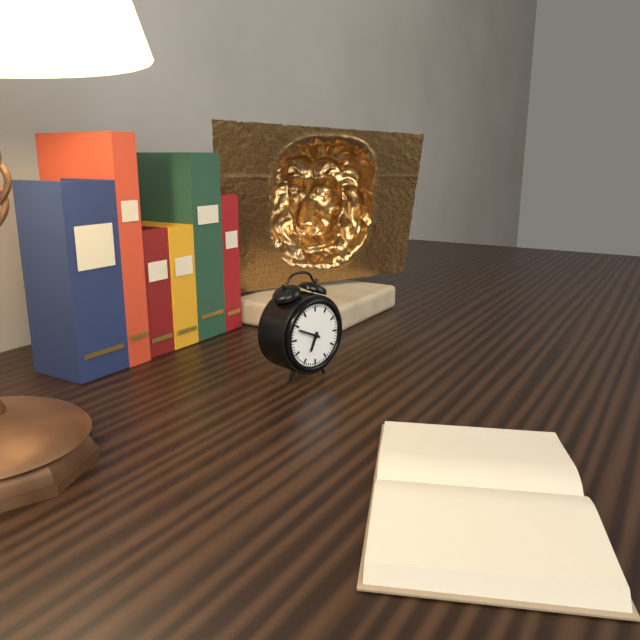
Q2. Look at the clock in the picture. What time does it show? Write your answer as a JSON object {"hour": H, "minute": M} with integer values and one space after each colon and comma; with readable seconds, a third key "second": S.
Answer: {"hour": 6, "minute": 49}
